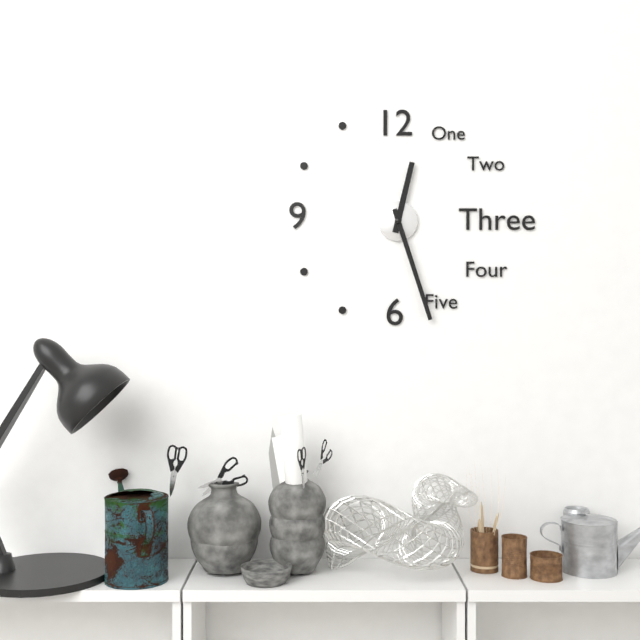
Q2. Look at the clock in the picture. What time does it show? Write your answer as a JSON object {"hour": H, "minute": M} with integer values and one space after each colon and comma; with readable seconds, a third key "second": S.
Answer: {"hour": 12, "minute": 27}
